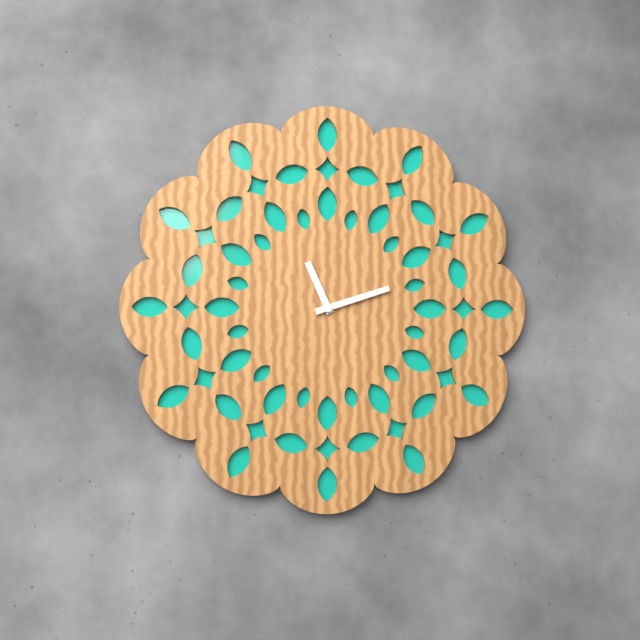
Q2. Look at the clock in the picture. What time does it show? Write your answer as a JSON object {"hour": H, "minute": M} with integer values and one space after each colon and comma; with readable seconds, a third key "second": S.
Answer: {"hour": 11, "minute": 12}
